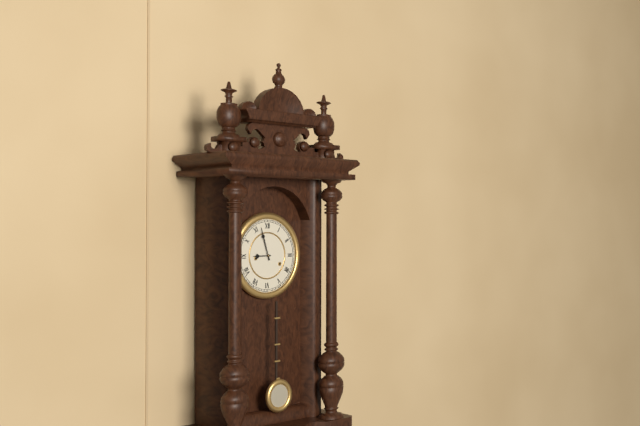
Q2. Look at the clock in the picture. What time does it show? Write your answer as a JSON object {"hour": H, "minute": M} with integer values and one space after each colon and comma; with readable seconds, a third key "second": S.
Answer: {"hour": 8, "minute": 57}
